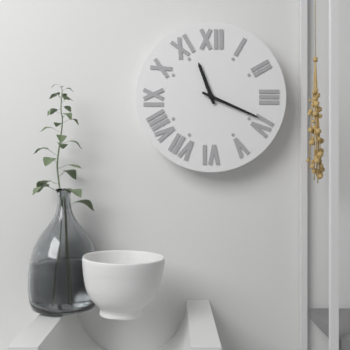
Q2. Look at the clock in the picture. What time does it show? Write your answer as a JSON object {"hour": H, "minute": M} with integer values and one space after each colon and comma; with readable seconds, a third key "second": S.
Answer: {"hour": 11, "minute": 19}
